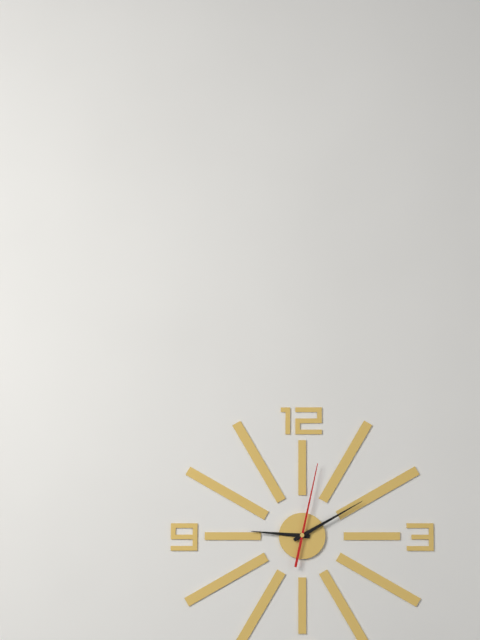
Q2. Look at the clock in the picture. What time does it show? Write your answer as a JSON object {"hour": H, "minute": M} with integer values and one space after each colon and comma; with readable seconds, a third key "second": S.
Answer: {"hour": 9, "minute": 10, "second": 2}
